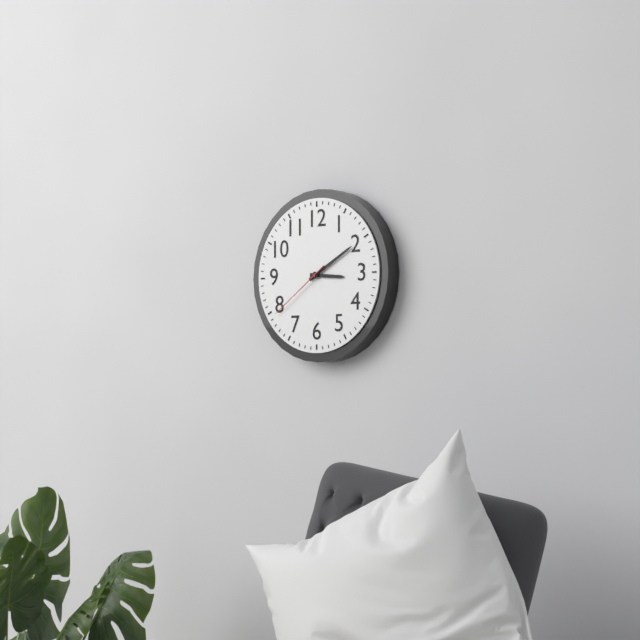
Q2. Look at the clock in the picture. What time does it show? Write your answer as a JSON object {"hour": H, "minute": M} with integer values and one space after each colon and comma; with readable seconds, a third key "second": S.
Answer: {"hour": 3, "minute": 10, "second": 39}
